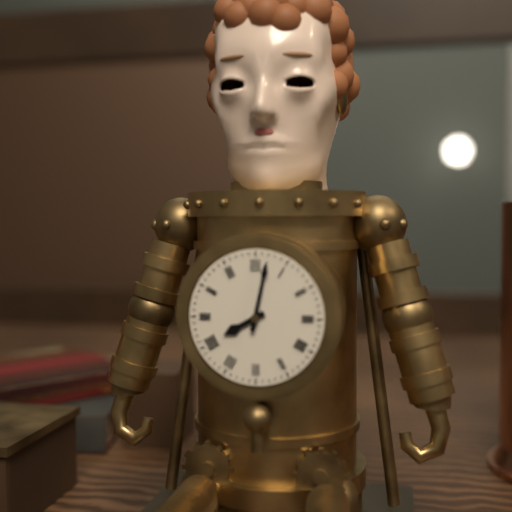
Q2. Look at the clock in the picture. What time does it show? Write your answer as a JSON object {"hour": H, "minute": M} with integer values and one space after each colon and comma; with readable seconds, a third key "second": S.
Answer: {"hour": 8, "minute": 2}
